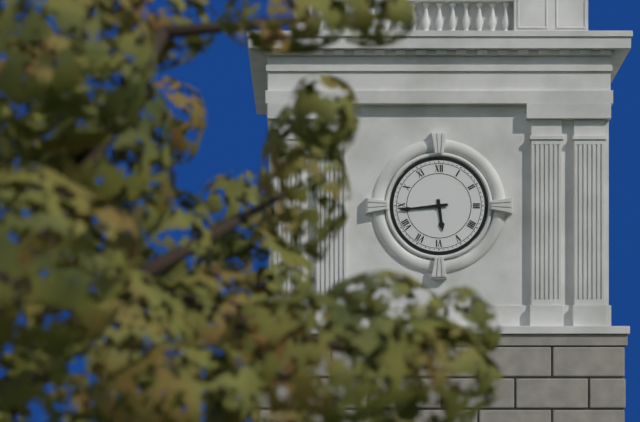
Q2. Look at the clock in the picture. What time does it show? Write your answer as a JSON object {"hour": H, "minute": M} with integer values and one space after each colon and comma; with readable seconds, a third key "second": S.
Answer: {"hour": 5, "minute": 44}
